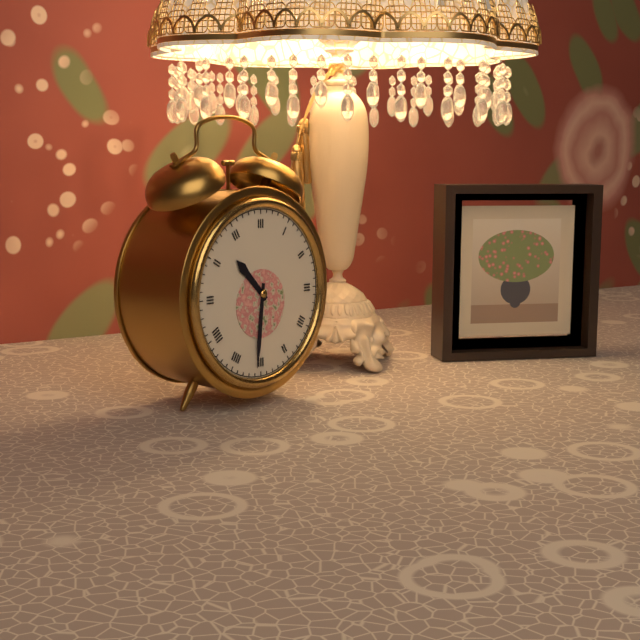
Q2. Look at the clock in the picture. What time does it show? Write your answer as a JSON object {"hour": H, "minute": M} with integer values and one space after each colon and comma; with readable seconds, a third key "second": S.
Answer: {"hour": 10, "minute": 31}
